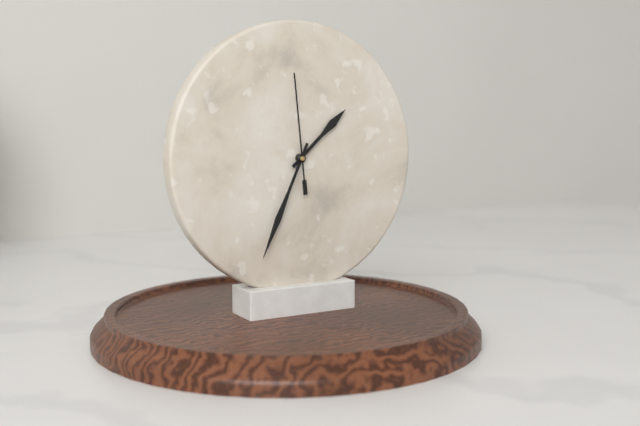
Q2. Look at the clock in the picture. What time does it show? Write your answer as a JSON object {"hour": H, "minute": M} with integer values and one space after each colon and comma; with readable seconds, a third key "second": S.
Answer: {"hour": 1, "minute": 34, "second": 59}
